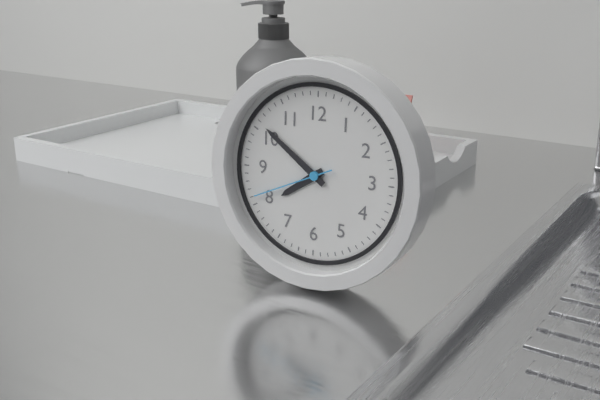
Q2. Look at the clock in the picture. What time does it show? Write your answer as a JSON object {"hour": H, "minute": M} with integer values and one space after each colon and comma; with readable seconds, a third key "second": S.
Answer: {"hour": 7, "minute": 51, "second": 41}
